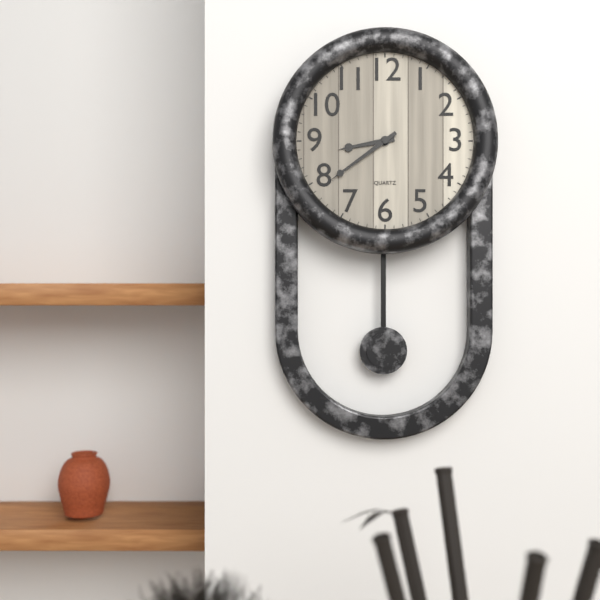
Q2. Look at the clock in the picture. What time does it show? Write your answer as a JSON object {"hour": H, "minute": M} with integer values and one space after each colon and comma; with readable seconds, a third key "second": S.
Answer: {"hour": 8, "minute": 39}
